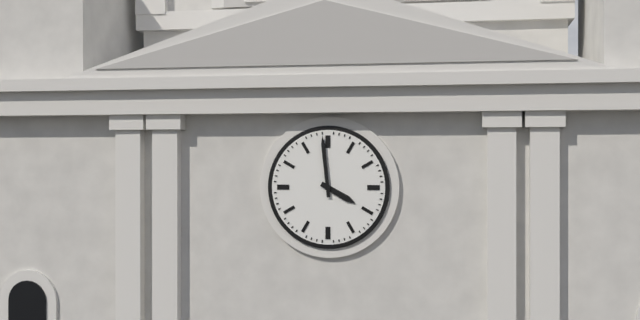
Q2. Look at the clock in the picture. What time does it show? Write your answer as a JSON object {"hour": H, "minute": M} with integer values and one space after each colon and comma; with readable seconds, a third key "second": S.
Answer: {"hour": 3, "minute": 59}
